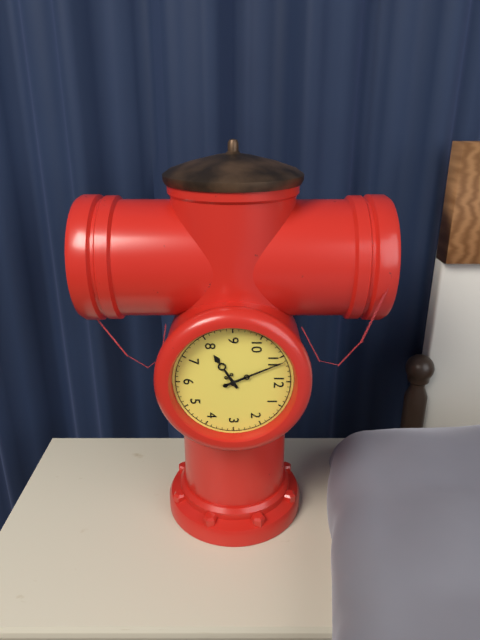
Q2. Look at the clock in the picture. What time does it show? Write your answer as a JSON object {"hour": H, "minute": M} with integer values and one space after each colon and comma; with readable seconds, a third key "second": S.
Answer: {"hour": 7, "minute": 56}
